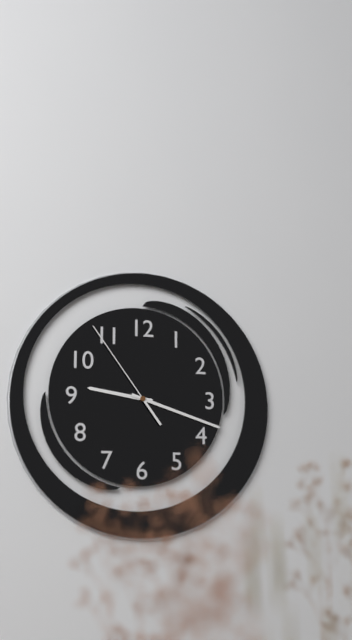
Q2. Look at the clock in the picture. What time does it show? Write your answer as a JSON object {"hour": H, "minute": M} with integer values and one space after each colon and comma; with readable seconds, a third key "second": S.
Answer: {"hour": 9, "minute": 18, "second": 54}
